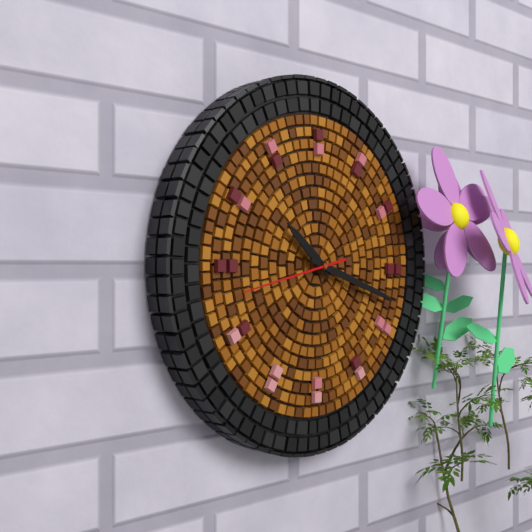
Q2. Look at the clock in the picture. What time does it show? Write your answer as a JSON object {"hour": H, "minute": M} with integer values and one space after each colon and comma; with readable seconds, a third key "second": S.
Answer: {"hour": 10, "minute": 18, "second": 43}
